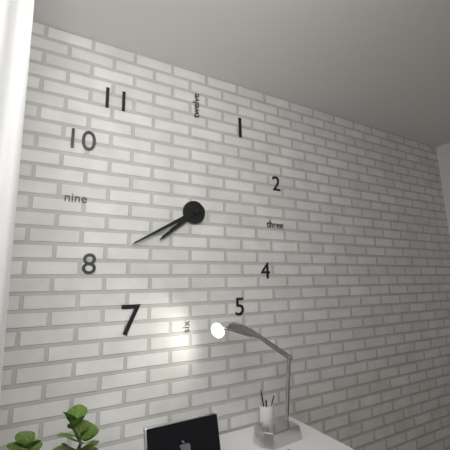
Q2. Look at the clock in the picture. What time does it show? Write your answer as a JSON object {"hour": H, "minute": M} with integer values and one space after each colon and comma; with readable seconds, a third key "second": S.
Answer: {"hour": 7, "minute": 40}
